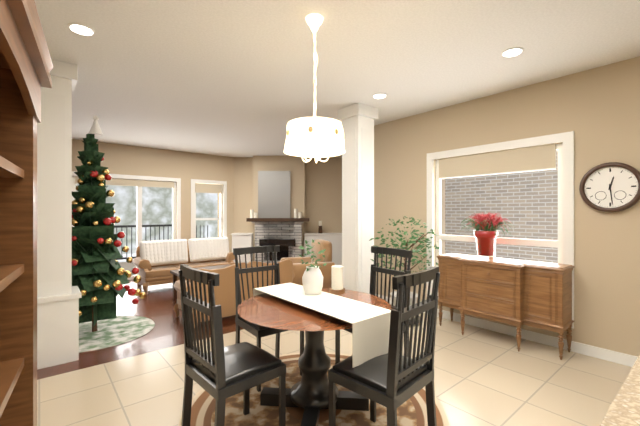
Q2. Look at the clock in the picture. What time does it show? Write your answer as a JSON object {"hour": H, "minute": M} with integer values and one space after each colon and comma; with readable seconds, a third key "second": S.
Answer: {"hour": 12, "minute": 29}
